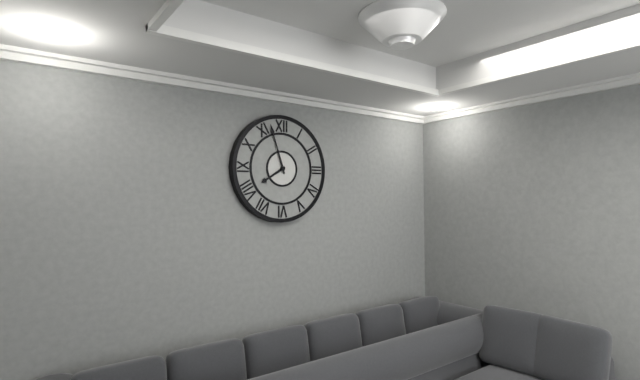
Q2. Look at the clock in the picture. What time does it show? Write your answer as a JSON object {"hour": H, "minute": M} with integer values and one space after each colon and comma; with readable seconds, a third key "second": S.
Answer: {"hour": 7, "minute": 57}
